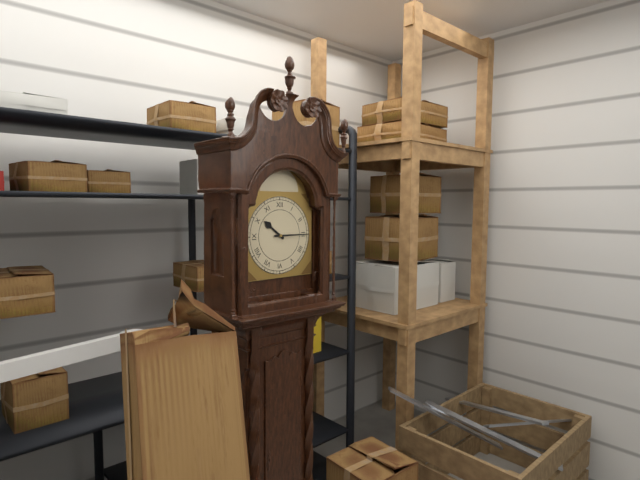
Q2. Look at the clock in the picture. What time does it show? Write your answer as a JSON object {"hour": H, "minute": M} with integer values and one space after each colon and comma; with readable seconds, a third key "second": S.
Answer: {"hour": 10, "minute": 15}
